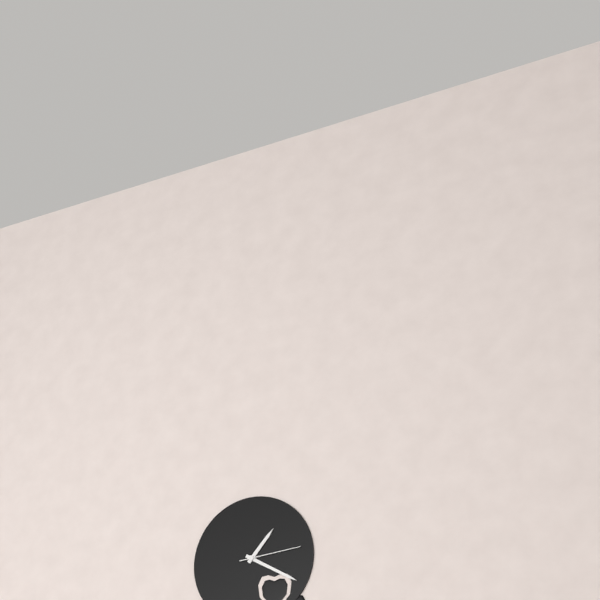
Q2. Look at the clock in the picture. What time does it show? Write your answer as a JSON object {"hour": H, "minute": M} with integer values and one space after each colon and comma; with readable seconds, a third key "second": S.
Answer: {"hour": 1, "minute": 20, "second": 14}
